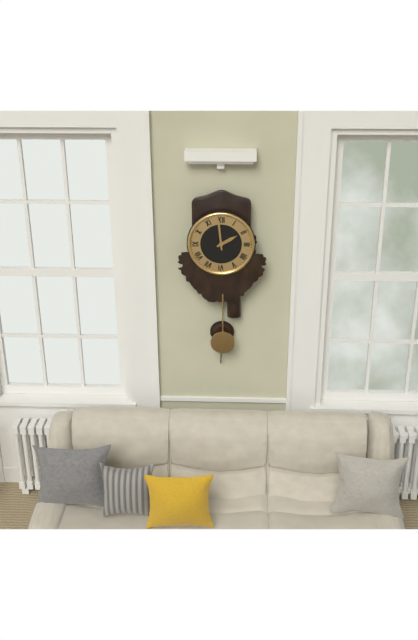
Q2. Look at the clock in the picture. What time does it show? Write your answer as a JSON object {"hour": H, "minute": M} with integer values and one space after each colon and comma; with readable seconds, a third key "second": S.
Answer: {"hour": 1, "minute": 59}
